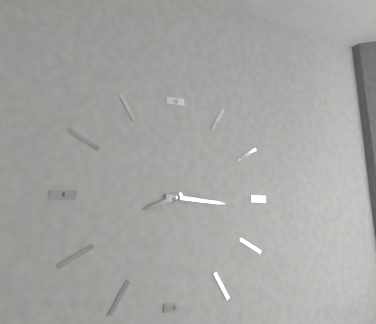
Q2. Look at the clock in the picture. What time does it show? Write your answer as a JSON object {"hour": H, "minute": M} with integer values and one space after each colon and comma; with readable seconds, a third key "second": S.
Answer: {"hour": 8, "minute": 16}
